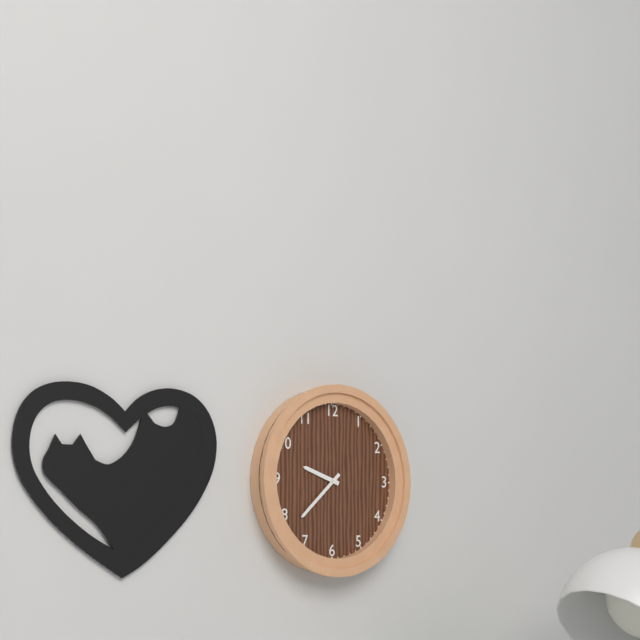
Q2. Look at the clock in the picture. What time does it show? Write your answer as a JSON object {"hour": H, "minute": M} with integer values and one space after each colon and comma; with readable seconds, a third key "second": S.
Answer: {"hour": 9, "minute": 38}
